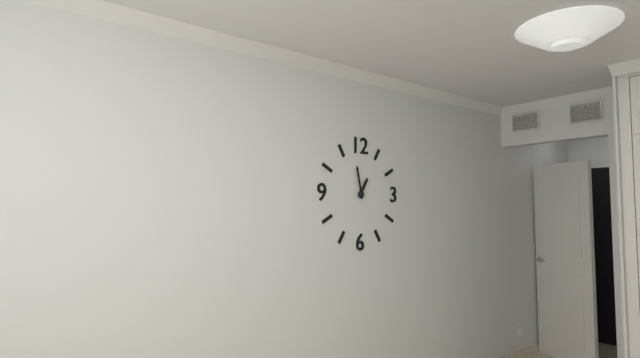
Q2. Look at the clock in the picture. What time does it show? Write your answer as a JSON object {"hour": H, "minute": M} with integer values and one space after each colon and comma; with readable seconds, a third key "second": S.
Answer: {"hour": 12, "minute": 58}
